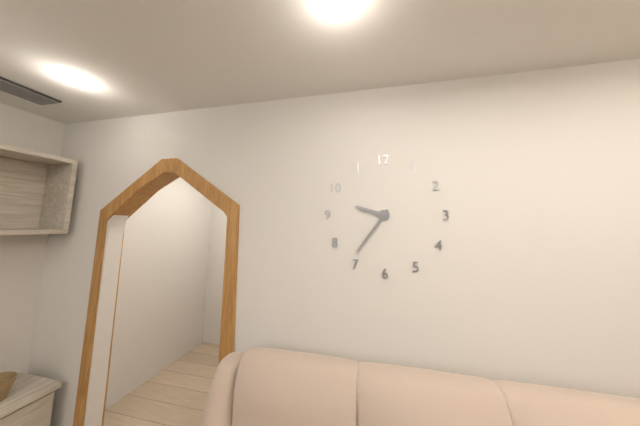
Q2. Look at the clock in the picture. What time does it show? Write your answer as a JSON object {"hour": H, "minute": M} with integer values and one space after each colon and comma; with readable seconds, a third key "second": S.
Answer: {"hour": 9, "minute": 36}
